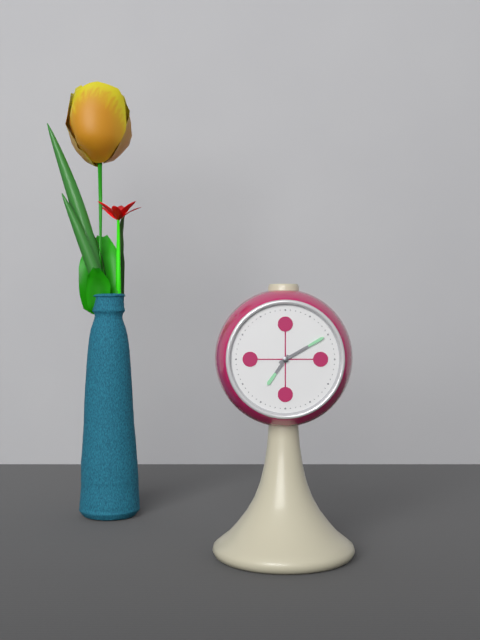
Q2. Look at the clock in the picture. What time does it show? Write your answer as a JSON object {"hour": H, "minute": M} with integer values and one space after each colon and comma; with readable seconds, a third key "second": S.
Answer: {"hour": 7, "minute": 10}
